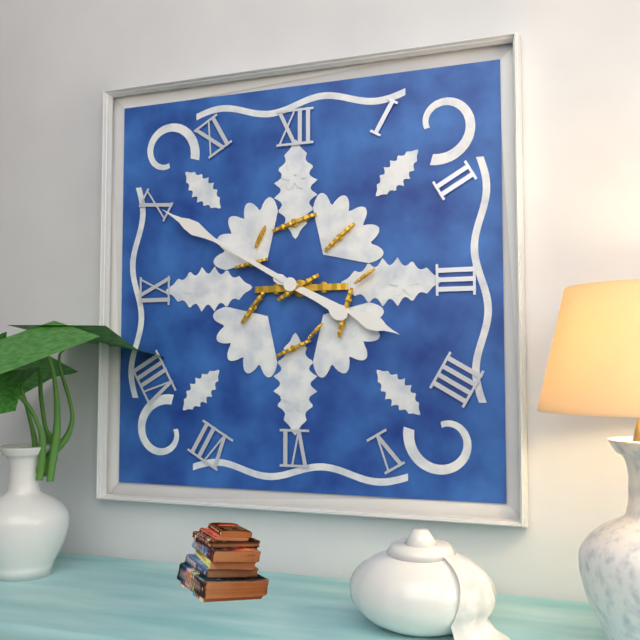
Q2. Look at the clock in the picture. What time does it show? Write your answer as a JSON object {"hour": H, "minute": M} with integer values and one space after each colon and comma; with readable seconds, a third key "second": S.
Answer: {"hour": 3, "minute": 50}
